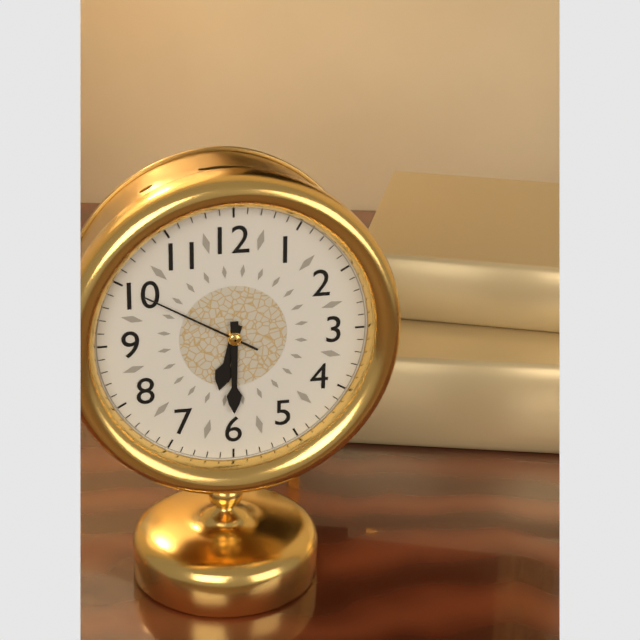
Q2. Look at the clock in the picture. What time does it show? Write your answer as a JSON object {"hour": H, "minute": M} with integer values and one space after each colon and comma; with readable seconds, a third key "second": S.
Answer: {"hour": 6, "minute": 30, "second": 50}
